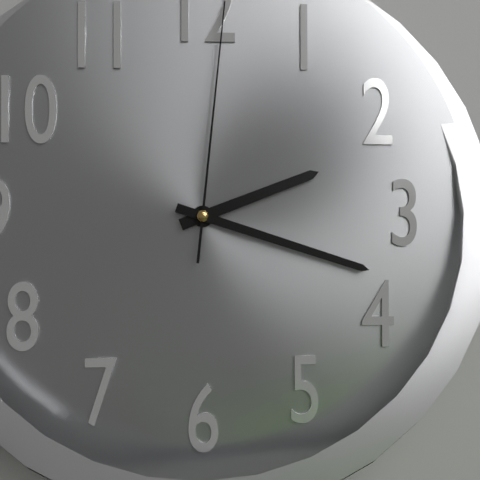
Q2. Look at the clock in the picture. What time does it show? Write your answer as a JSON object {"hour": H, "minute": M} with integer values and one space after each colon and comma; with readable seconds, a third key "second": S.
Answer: {"hour": 2, "minute": 18, "second": 1}
